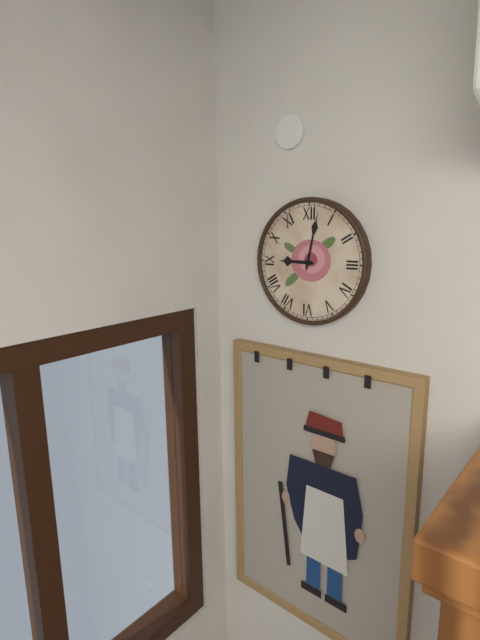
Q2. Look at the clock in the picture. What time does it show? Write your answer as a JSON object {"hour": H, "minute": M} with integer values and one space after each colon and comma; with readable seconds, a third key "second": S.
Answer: {"hour": 9, "minute": 2}
